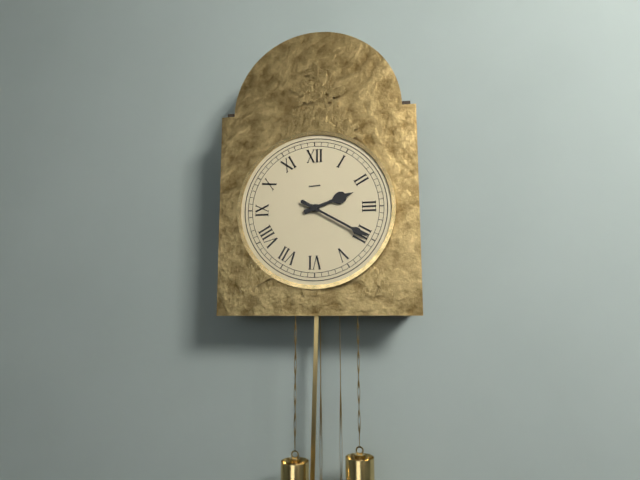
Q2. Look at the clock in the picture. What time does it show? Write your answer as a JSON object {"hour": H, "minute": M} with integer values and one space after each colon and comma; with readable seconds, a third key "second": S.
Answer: {"hour": 2, "minute": 20}
